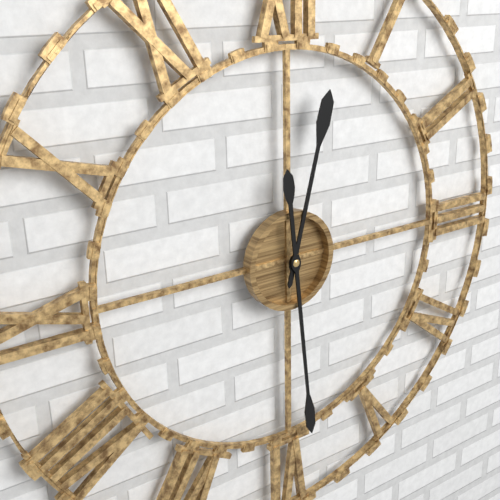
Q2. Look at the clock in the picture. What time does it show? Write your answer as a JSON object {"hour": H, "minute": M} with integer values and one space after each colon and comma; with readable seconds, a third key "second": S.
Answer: {"hour": 12, "minute": 29}
